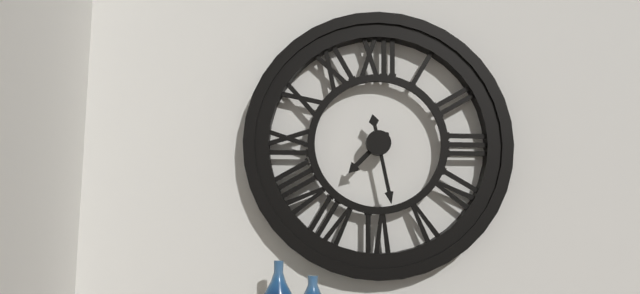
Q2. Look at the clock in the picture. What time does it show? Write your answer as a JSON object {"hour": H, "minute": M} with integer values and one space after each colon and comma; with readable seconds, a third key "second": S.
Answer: {"hour": 7, "minute": 28}
